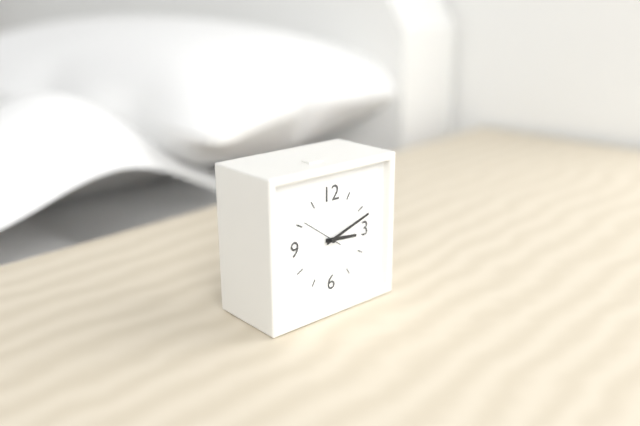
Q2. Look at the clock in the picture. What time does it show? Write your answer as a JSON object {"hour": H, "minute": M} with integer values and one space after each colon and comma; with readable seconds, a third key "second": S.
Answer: {"hour": 3, "minute": 12}
